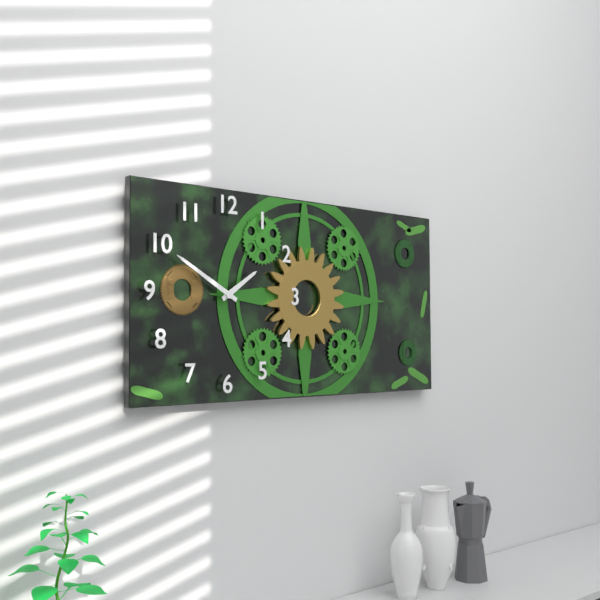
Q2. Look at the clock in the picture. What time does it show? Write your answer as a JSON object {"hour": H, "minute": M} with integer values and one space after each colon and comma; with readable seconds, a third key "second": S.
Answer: {"hour": 1, "minute": 50}
